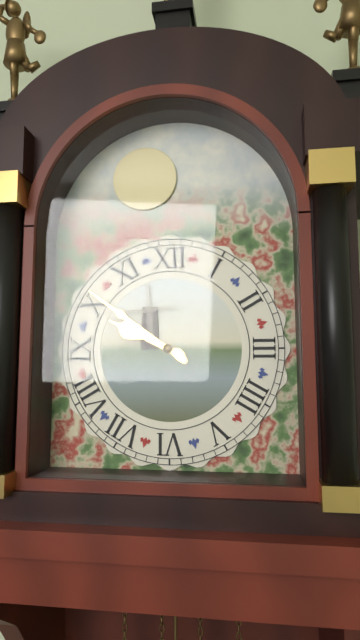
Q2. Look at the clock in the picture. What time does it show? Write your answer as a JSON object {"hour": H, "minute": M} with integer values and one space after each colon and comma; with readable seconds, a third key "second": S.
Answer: {"hour": 9, "minute": 51}
